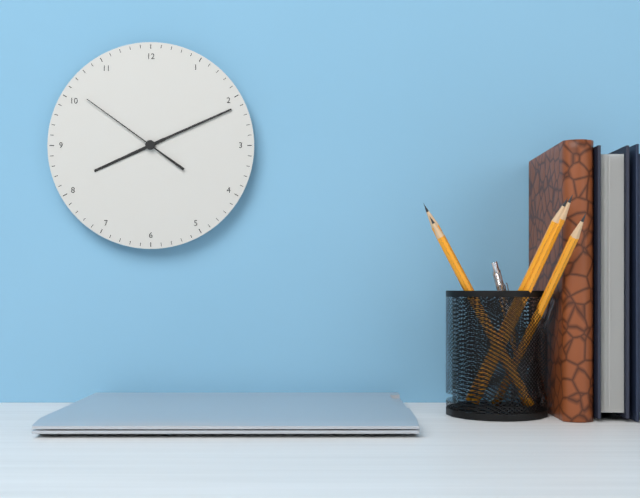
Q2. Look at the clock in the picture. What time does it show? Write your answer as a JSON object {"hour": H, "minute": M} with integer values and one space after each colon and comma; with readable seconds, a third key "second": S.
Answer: {"hour": 8, "minute": 11, "second": 51}
